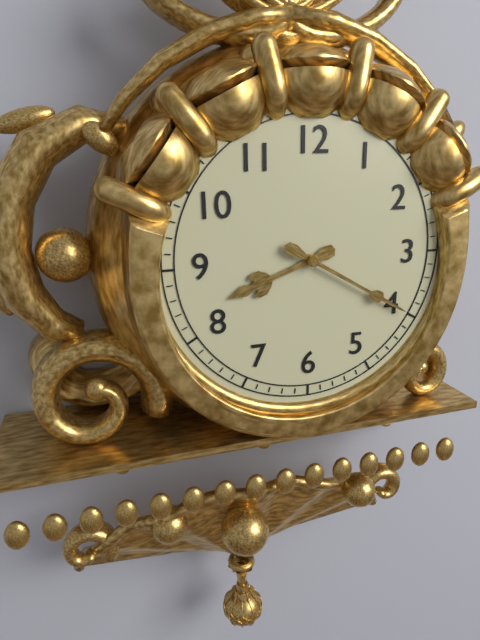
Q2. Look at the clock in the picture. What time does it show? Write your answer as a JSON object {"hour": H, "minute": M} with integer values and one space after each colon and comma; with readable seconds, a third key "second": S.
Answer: {"hour": 8, "minute": 20}
